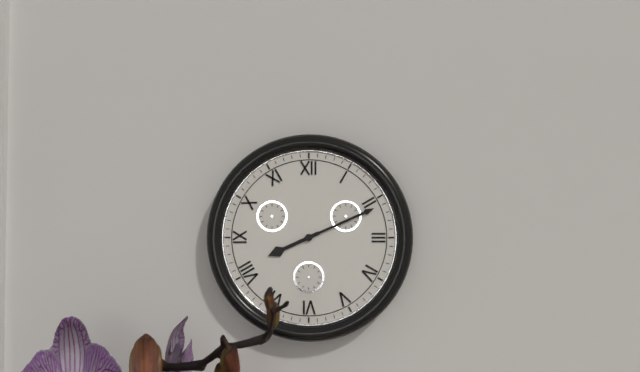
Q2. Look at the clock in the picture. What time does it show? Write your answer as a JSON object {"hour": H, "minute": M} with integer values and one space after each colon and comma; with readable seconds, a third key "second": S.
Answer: {"hour": 8, "minute": 11}
